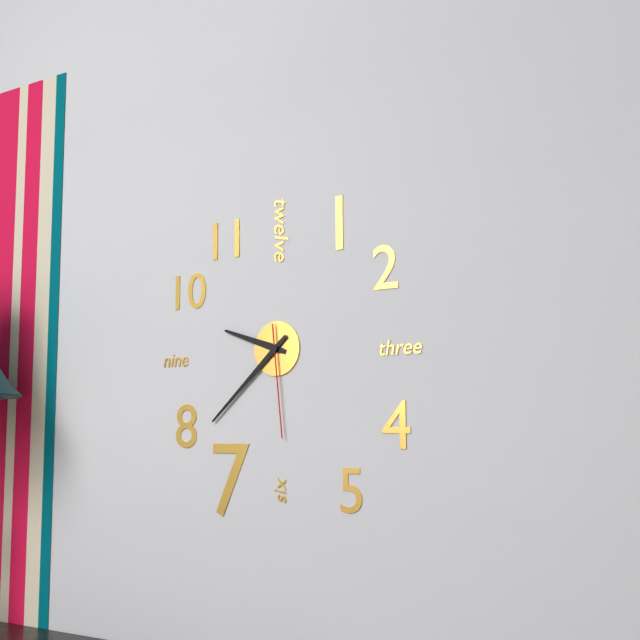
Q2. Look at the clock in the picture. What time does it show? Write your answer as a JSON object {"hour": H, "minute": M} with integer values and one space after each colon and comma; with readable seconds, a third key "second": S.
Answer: {"hour": 9, "minute": 38, "second": 29}
